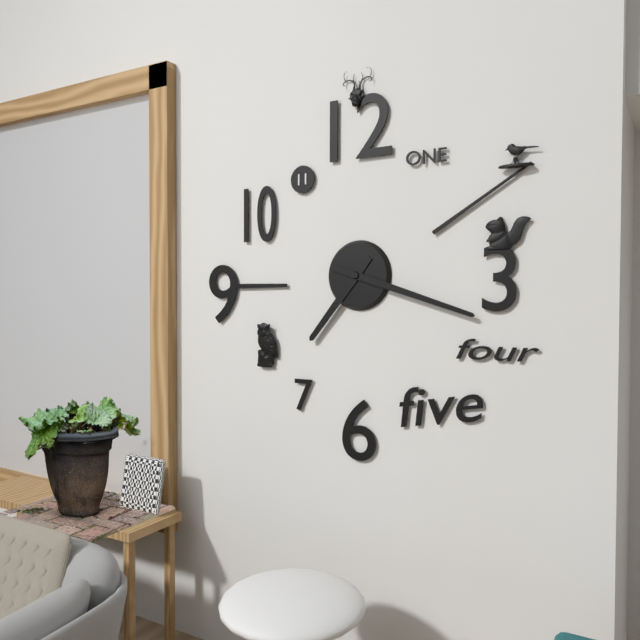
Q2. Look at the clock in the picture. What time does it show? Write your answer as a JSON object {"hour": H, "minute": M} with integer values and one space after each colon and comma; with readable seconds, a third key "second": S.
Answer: {"hour": 7, "minute": 18}
